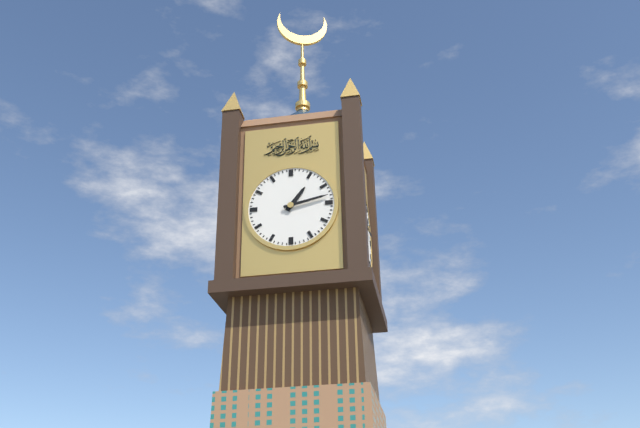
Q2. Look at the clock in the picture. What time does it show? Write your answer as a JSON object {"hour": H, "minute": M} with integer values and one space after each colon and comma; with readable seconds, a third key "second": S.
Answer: {"hour": 1, "minute": 13}
